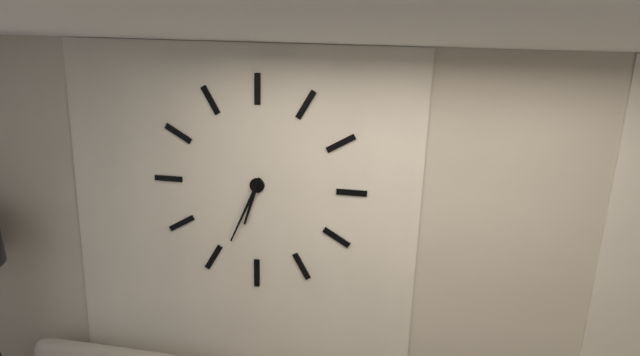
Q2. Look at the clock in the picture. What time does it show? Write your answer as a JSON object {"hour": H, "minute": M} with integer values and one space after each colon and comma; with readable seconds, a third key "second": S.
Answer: {"hour": 6, "minute": 34}
